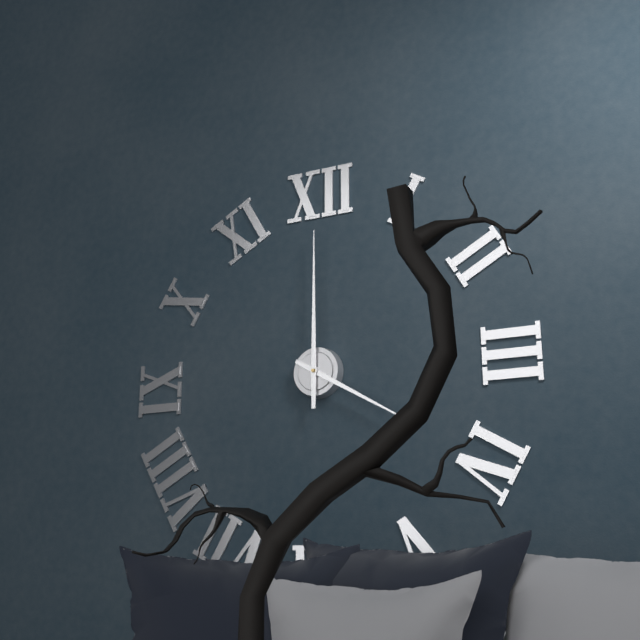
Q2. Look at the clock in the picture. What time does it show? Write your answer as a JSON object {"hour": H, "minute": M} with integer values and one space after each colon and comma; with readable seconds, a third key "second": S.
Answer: {"hour": 4, "minute": 0}
